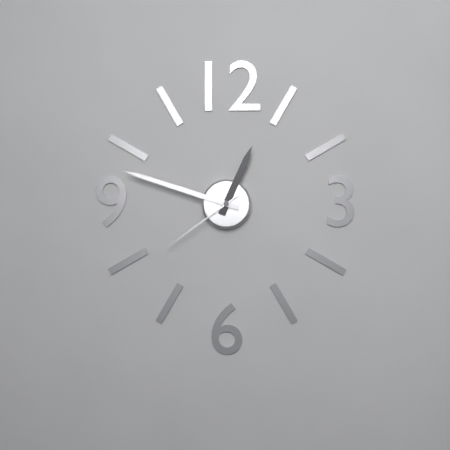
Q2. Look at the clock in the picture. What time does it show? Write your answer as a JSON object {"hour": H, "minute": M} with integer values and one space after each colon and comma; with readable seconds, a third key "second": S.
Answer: {"hour": 12, "minute": 48, "second": 39}
